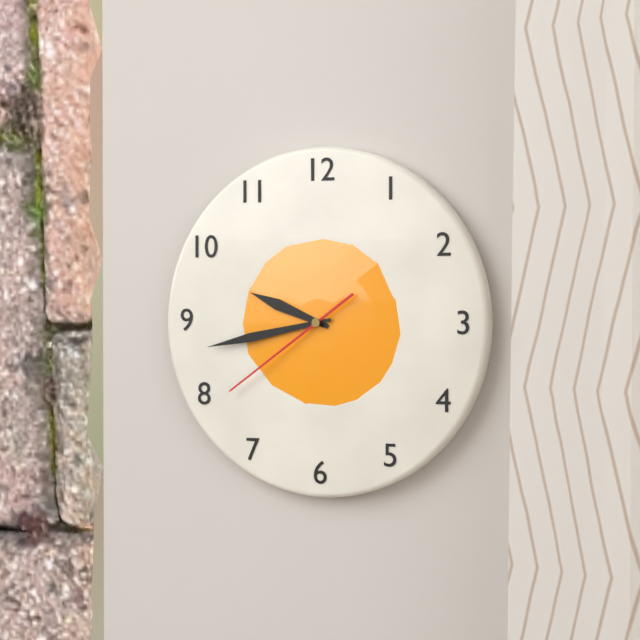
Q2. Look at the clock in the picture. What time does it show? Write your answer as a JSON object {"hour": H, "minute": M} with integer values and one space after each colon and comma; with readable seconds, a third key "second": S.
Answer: {"hour": 9, "minute": 43, "second": 39}
